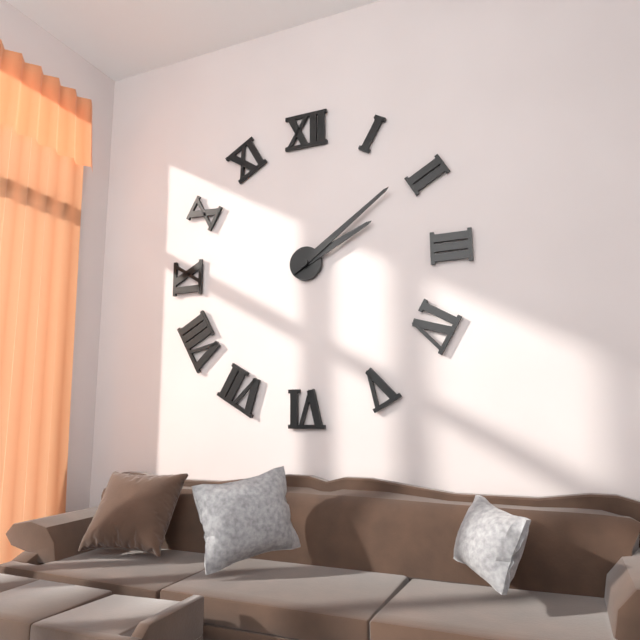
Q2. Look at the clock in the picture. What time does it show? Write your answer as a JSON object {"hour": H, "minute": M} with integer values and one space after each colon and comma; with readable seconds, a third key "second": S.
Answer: {"hour": 2, "minute": 9}
